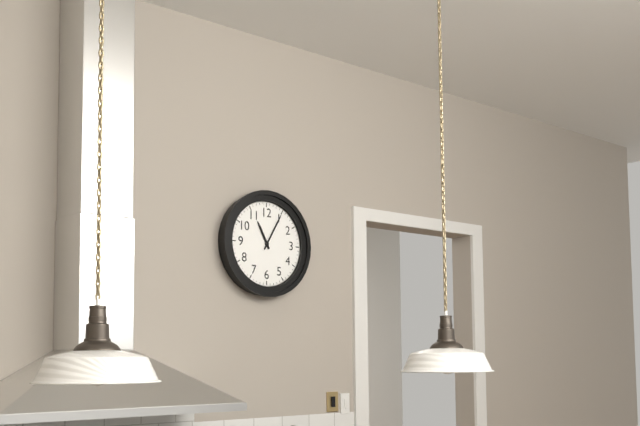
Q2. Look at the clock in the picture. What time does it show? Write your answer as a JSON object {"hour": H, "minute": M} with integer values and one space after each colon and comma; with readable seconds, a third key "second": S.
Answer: {"hour": 11, "minute": 5}
